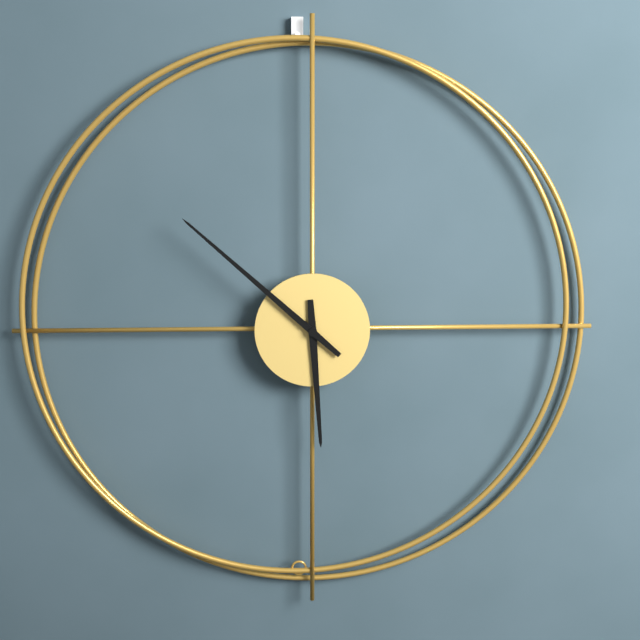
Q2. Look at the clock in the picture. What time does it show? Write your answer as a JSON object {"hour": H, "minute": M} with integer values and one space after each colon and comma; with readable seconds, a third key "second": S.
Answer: {"hour": 5, "minute": 52}
